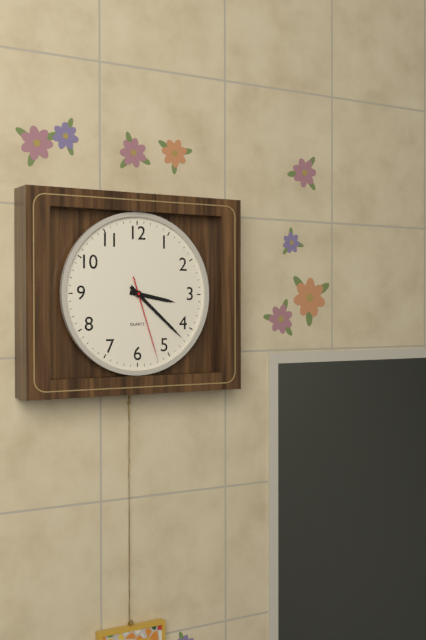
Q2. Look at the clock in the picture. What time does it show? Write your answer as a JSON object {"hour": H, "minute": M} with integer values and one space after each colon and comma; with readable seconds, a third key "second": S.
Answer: {"hour": 3, "minute": 22, "second": 27}
